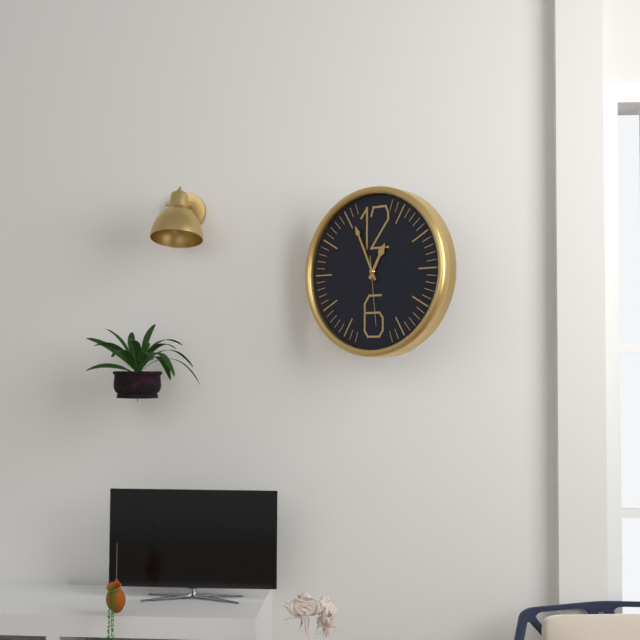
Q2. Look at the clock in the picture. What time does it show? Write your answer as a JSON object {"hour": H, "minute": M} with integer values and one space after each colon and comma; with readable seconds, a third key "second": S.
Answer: {"hour": 12, "minute": 56, "second": 29}
